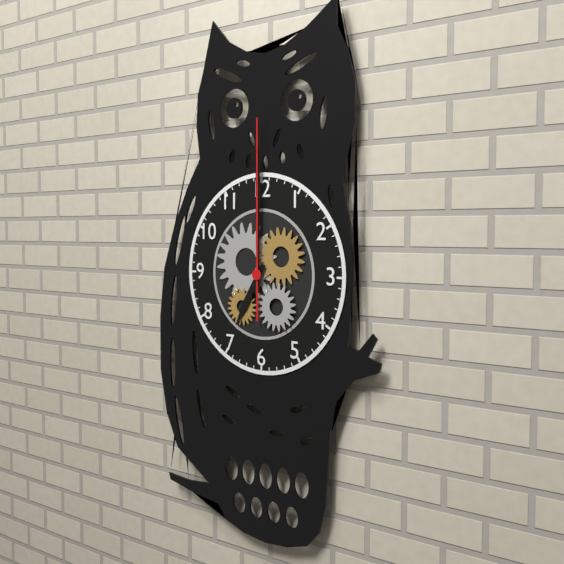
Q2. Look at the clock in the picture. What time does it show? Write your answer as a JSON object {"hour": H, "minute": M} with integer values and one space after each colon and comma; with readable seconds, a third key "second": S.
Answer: {"hour": 7, "minute": 0, "second": 0}
